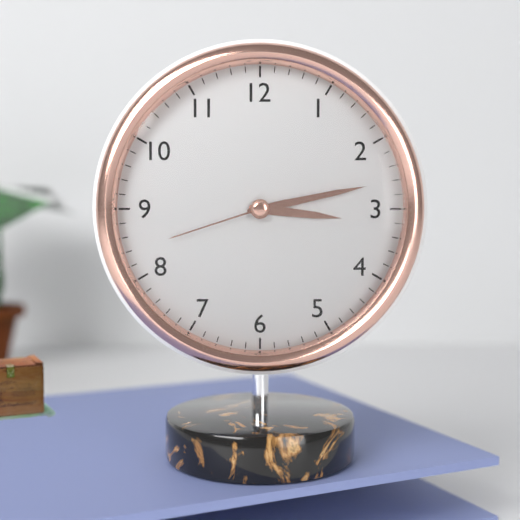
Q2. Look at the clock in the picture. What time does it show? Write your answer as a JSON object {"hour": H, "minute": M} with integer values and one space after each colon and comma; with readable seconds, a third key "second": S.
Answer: {"hour": 3, "minute": 13, "second": 42}
